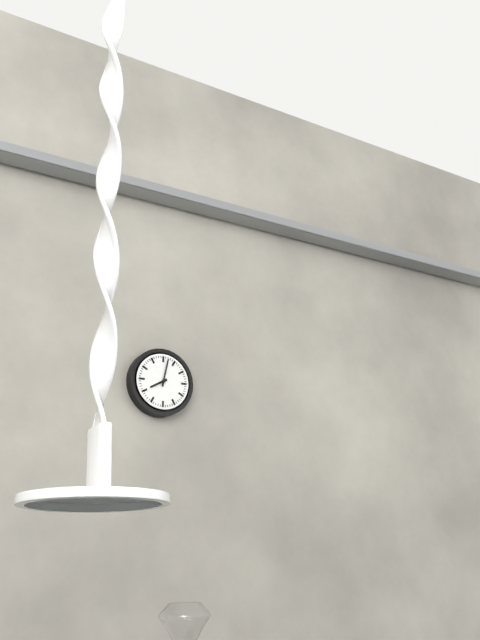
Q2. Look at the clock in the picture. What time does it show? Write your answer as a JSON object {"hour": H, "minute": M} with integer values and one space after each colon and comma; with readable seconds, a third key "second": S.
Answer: {"hour": 8, "minute": 2}
